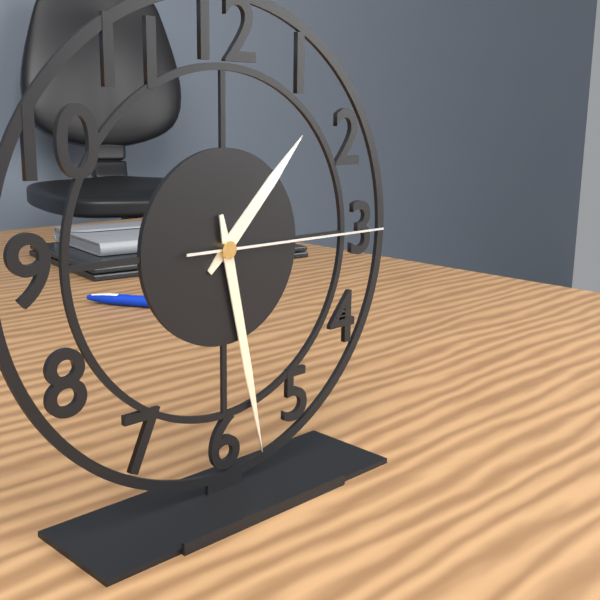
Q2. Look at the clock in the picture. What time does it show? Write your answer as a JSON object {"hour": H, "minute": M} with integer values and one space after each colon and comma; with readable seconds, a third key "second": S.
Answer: {"hour": 1, "minute": 28, "second": 15}
